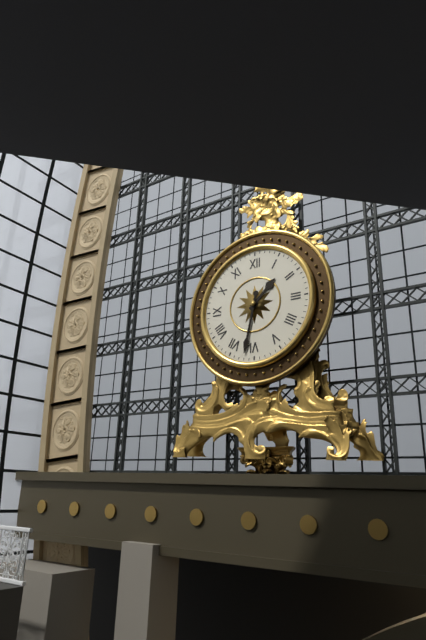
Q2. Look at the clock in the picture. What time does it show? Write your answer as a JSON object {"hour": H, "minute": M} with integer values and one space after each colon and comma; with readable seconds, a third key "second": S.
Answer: {"hour": 1, "minute": 32}
